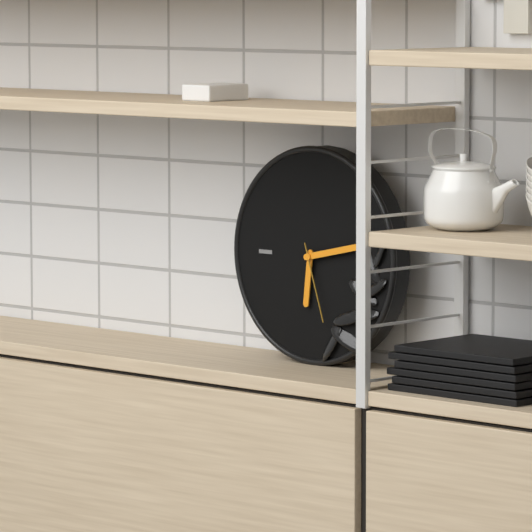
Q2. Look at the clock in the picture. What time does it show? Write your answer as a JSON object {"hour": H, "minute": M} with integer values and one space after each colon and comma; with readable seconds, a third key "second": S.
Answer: {"hour": 6, "minute": 13, "second": 27}
